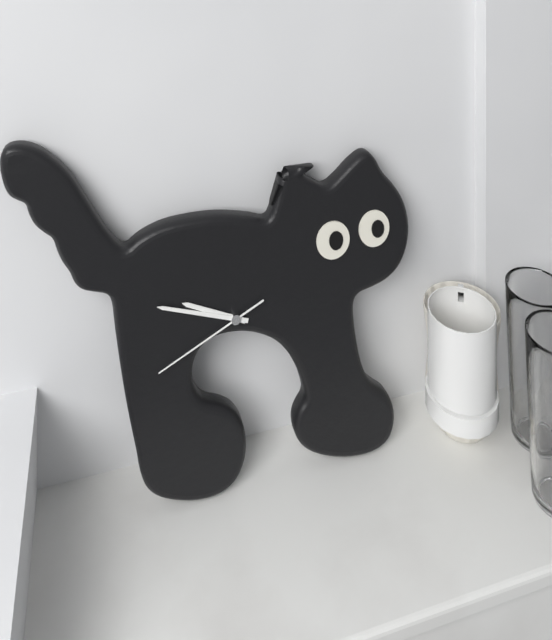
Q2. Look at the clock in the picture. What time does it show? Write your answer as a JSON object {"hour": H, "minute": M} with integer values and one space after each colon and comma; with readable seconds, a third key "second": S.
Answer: {"hour": 9, "minute": 48, "second": 41}
